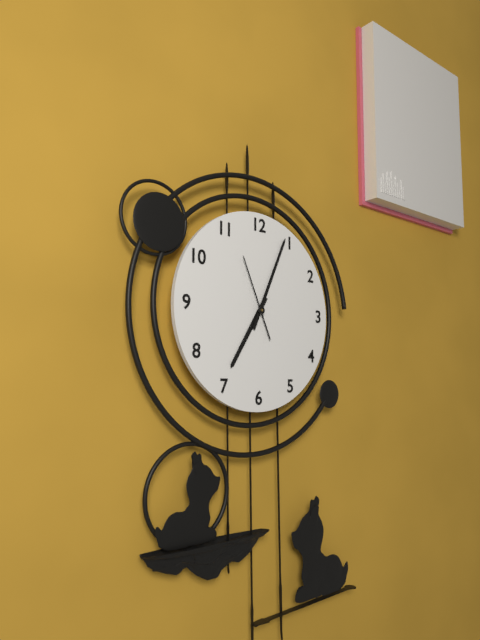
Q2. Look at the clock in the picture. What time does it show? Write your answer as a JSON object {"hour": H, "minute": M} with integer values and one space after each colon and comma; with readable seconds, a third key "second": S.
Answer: {"hour": 7, "minute": 4, "second": 56}
